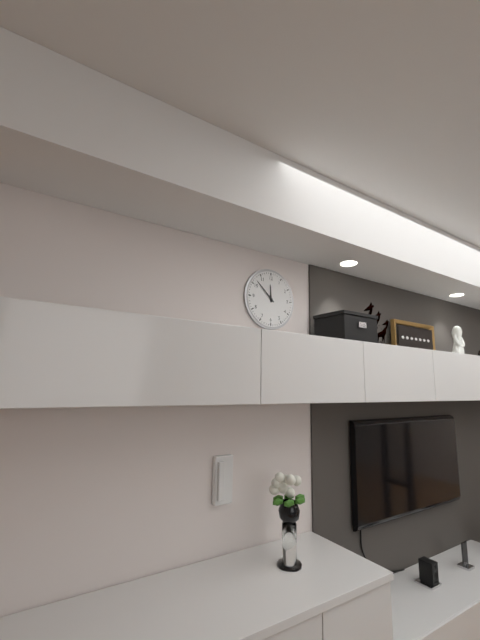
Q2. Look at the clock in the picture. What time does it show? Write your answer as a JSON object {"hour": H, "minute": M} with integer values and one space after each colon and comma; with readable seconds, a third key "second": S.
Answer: {"hour": 11, "minute": 52}
